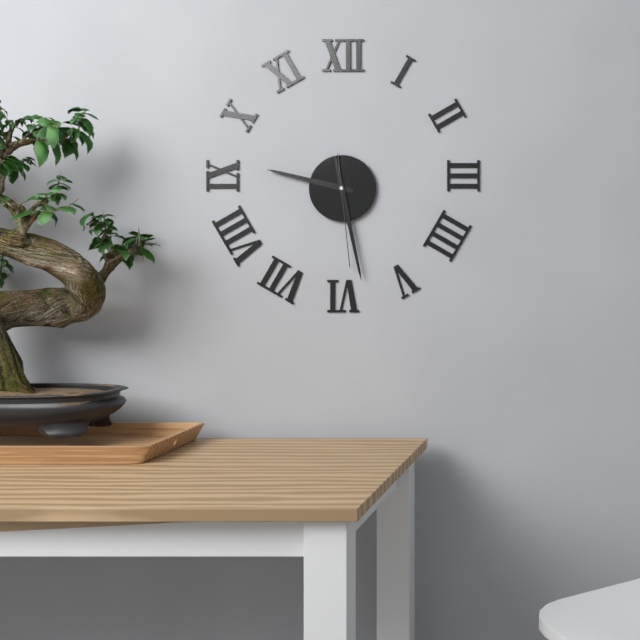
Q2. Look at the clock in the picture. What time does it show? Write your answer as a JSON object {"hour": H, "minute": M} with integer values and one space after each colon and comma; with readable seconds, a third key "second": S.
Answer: {"hour": 9, "minute": 28, "second": 29}
